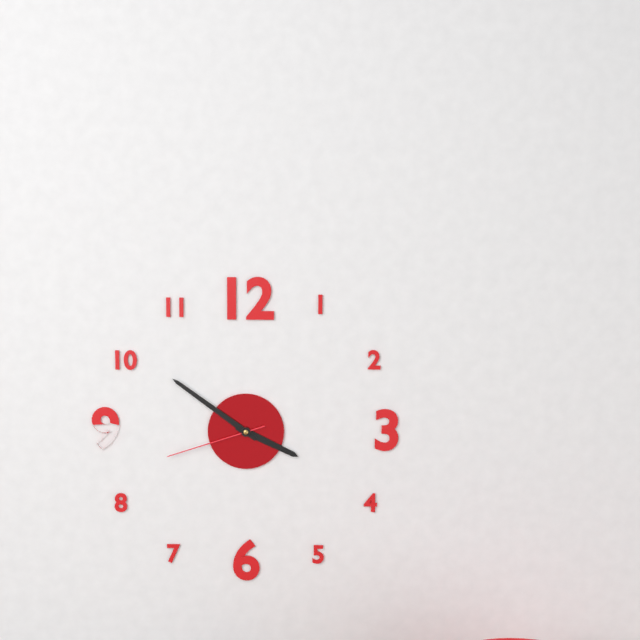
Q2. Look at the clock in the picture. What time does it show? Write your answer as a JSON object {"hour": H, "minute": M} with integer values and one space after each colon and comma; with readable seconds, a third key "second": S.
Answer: {"hour": 3, "minute": 51, "second": 42}
